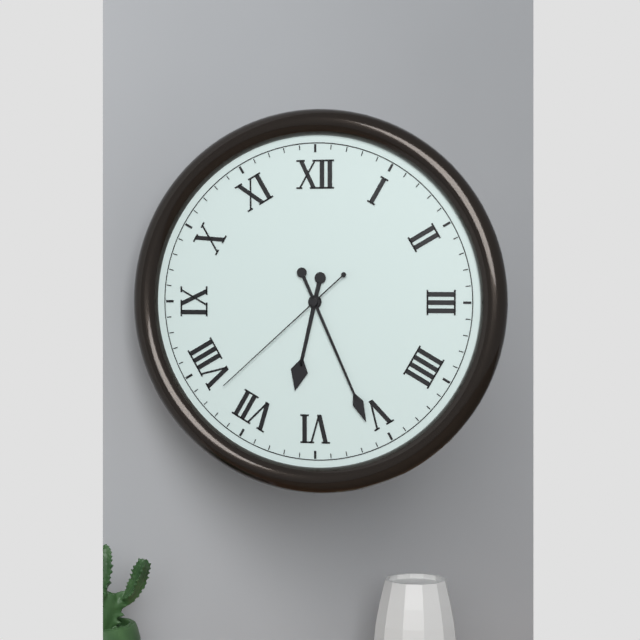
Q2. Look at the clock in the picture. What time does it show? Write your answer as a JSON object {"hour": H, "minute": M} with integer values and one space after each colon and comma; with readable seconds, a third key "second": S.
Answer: {"hour": 6, "minute": 26, "second": 38}
